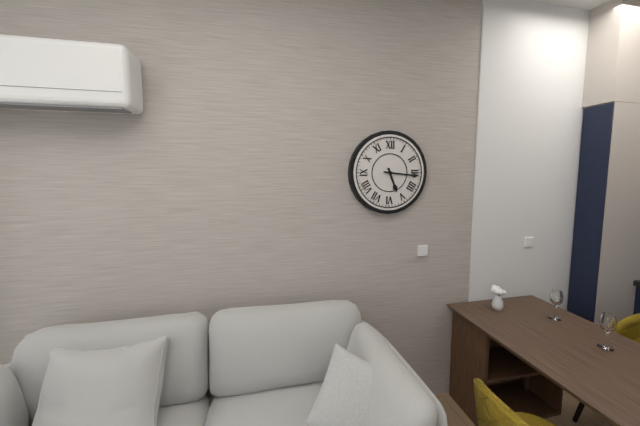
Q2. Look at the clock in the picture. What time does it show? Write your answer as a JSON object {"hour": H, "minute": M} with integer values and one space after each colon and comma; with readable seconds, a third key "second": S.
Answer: {"hour": 5, "minute": 16}
